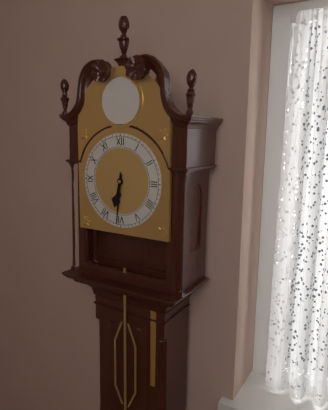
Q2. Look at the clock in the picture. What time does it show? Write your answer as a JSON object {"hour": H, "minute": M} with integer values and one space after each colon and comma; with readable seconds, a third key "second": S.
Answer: {"hour": 6, "minute": 31}
